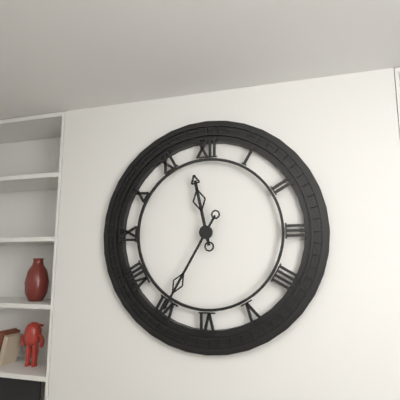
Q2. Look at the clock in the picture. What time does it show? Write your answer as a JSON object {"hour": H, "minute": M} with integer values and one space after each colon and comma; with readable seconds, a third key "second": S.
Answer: {"hour": 11, "minute": 35}
